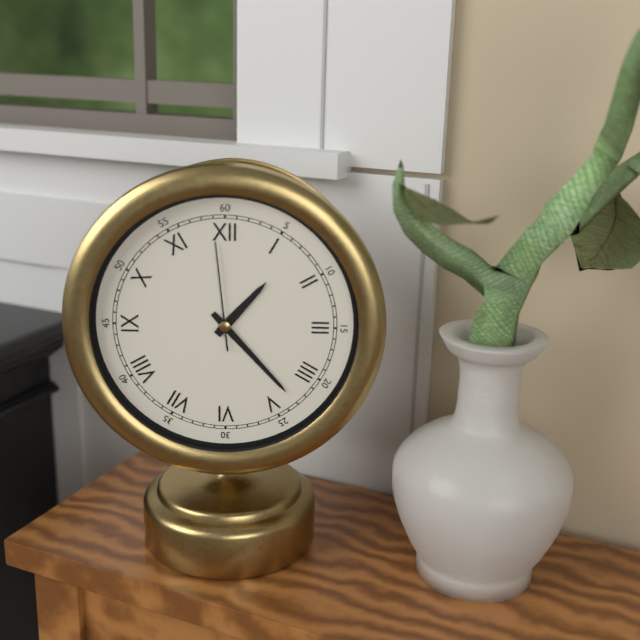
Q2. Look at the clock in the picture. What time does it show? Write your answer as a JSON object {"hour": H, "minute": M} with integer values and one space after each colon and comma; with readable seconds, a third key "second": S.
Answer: {"hour": 1, "minute": 23, "second": 59}
